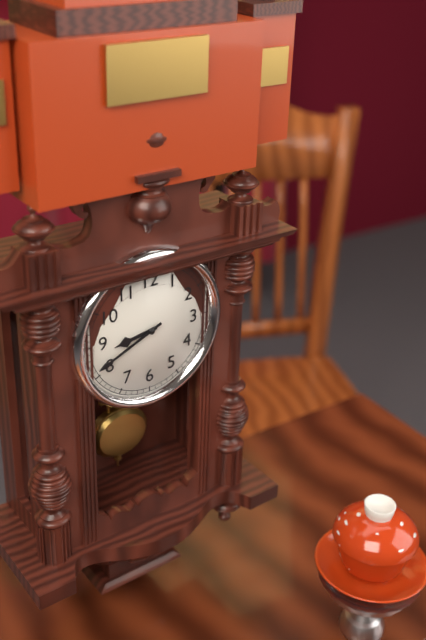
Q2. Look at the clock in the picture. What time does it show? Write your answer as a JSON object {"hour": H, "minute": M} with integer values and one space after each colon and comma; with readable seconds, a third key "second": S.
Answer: {"hour": 8, "minute": 41}
